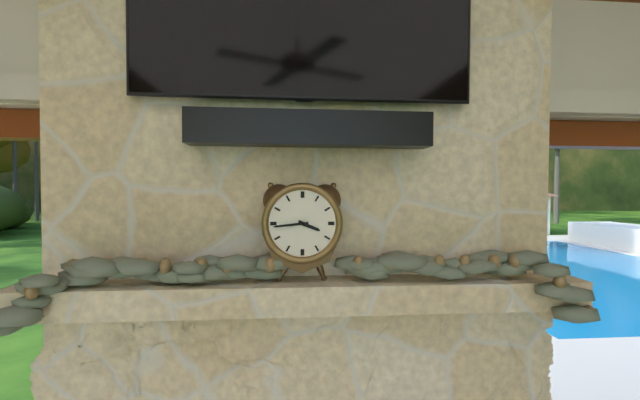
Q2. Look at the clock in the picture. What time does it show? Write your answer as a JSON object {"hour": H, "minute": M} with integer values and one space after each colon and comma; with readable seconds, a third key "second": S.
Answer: {"hour": 3, "minute": 44}
